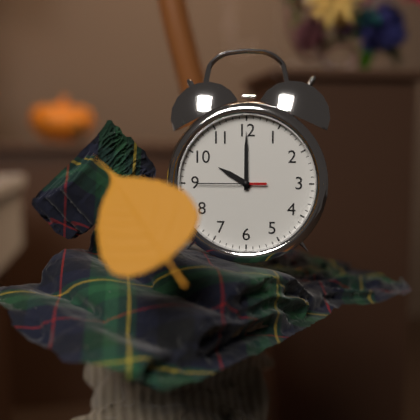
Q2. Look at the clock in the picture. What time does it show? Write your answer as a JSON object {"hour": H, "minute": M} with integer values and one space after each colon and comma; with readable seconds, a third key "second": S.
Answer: {"hour": 10, "minute": 0, "second": 45}
